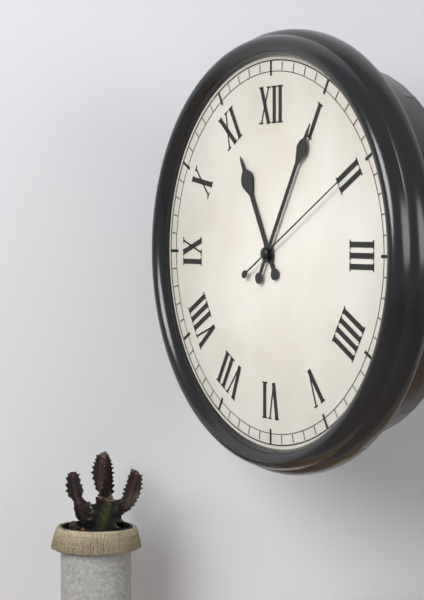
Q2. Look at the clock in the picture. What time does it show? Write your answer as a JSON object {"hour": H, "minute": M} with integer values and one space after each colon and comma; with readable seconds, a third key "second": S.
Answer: {"hour": 11, "minute": 5, "second": 10}
